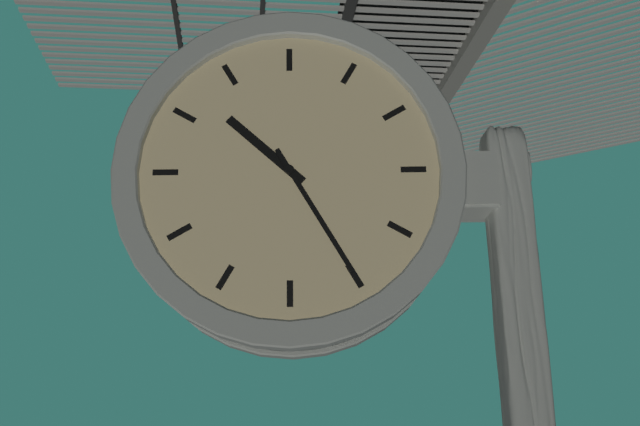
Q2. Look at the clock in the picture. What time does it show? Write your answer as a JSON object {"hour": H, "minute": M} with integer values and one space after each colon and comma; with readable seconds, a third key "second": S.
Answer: {"hour": 10, "minute": 25}
